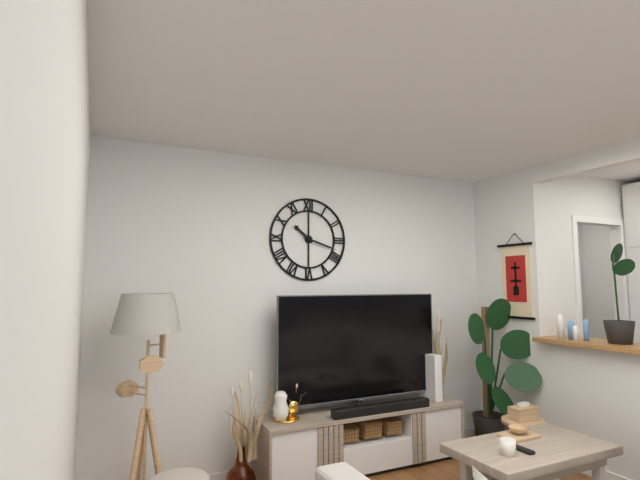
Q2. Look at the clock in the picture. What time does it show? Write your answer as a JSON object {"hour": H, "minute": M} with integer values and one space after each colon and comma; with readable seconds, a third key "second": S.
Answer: {"hour": 10, "minute": 18}
